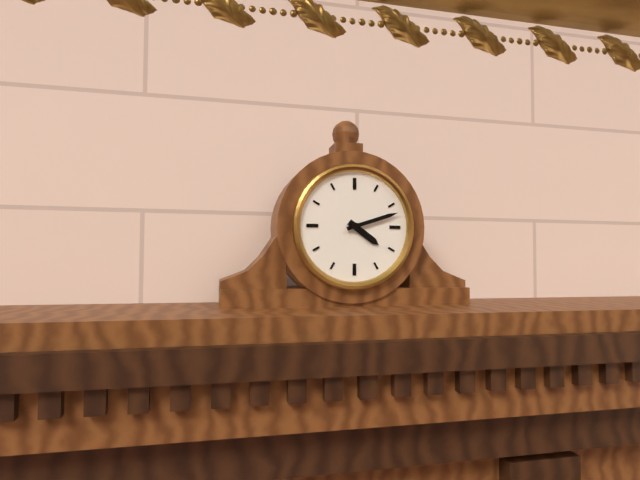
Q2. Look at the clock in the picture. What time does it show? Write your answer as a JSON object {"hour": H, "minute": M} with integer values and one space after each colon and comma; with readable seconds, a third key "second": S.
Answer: {"hour": 4, "minute": 12}
